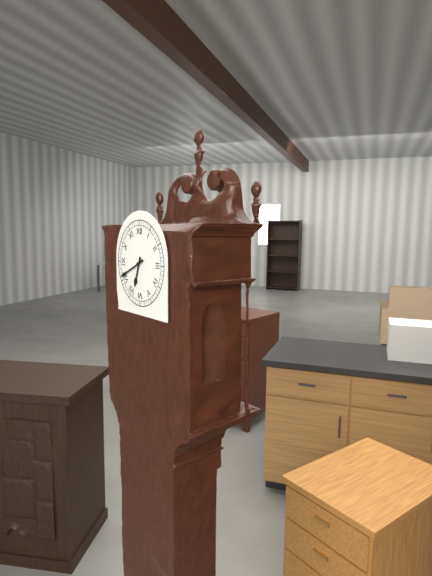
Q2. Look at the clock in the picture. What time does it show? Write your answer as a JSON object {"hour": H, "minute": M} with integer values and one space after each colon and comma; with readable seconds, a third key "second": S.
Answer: {"hour": 6, "minute": 41}
